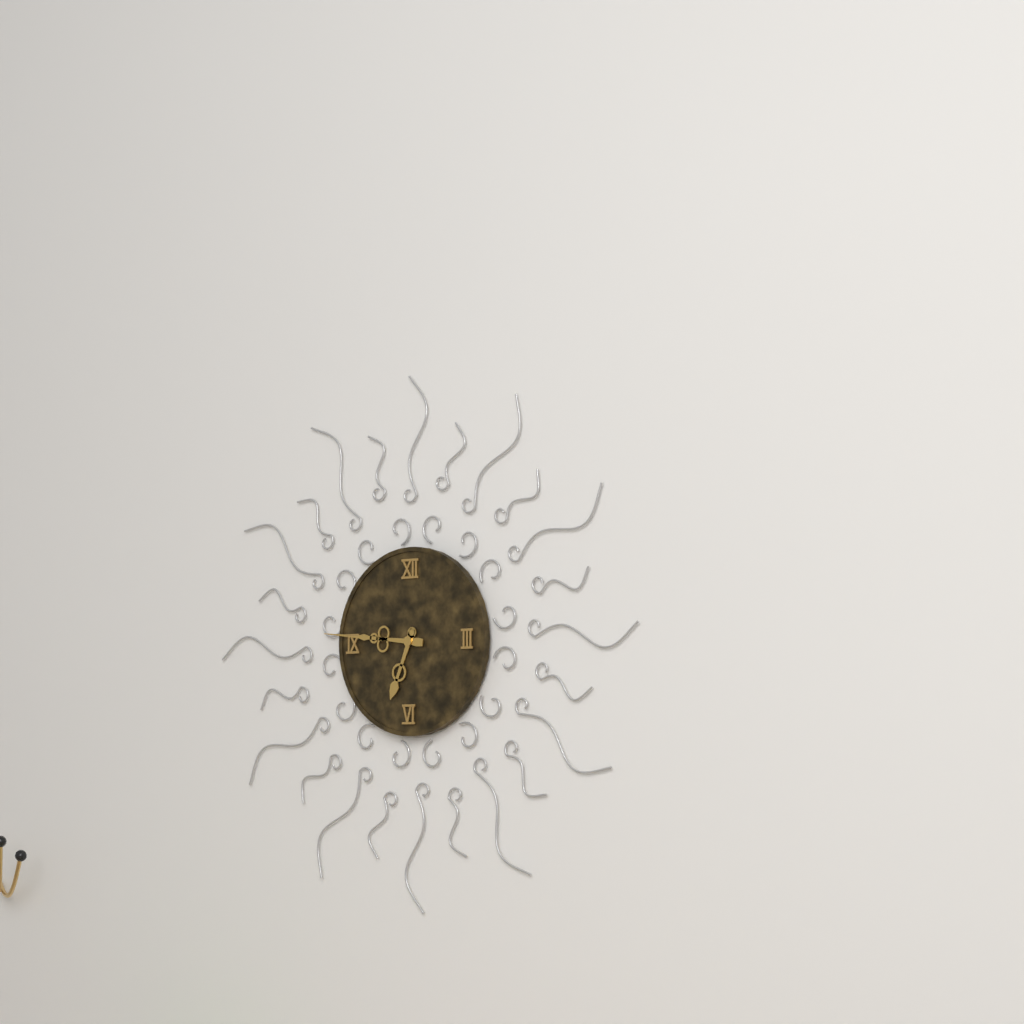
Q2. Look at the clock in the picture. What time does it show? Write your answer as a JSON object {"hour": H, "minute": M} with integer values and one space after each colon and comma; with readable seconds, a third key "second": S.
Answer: {"hour": 6, "minute": 46}
